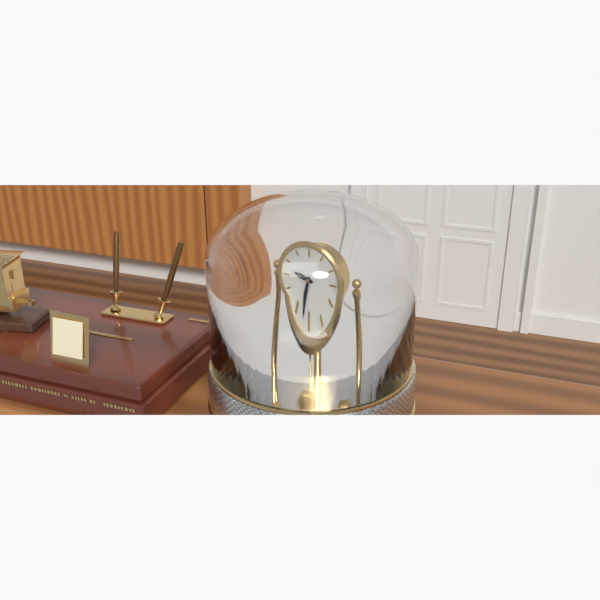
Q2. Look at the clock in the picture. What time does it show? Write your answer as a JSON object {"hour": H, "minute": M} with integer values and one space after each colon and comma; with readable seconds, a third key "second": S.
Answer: {"hour": 9, "minute": 32}
